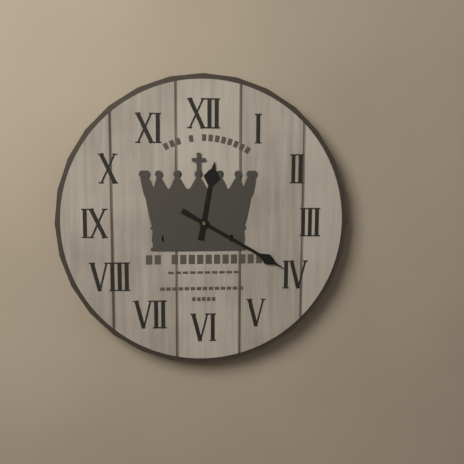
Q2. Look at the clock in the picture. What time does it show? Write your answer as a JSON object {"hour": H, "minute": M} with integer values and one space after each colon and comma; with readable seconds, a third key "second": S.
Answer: {"hour": 12, "minute": 20}
